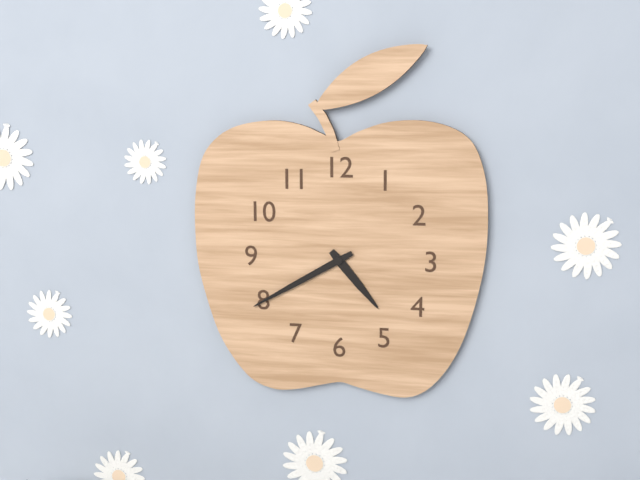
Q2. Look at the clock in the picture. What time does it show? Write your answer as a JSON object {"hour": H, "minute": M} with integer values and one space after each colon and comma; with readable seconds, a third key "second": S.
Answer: {"hour": 4, "minute": 40}
